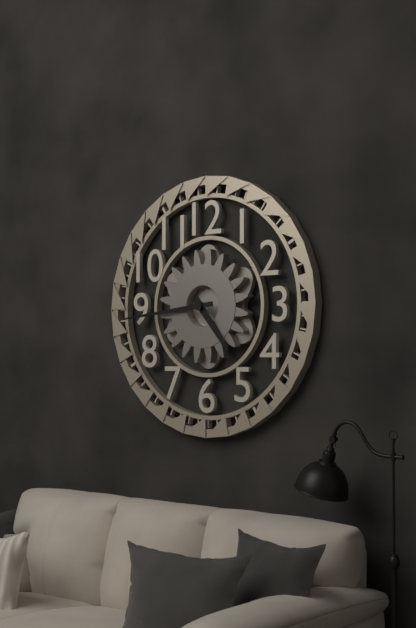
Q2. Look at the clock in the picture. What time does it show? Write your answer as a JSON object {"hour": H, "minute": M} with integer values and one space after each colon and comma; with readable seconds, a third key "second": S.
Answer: {"hour": 4, "minute": 44}
